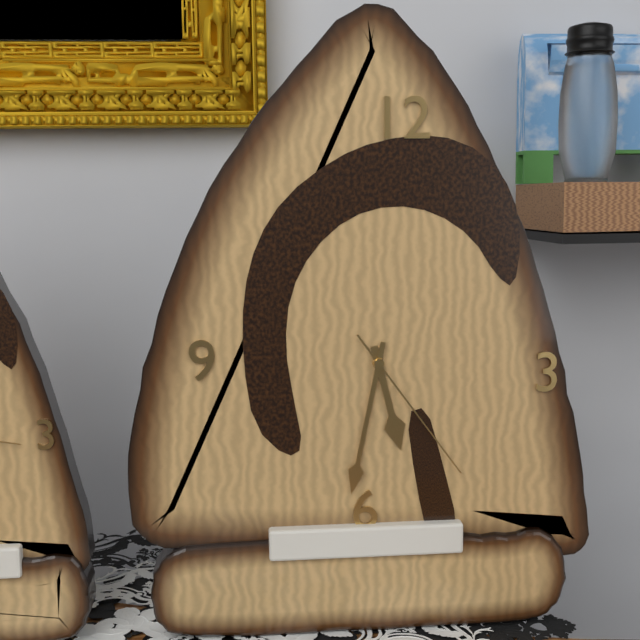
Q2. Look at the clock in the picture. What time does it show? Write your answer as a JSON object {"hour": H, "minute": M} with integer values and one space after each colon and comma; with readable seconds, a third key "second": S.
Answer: {"hour": 5, "minute": 32, "second": 24}
